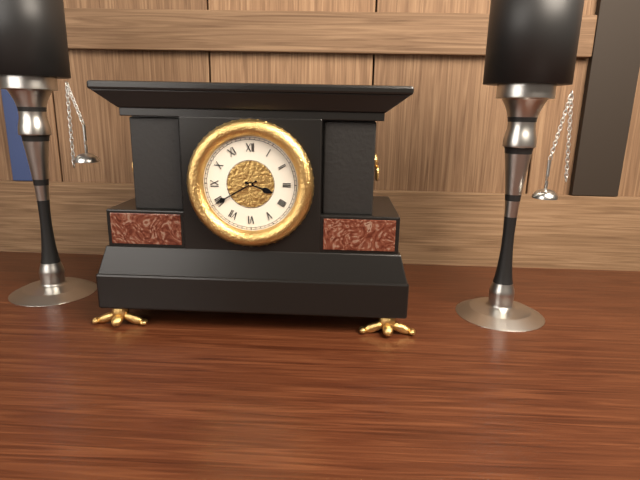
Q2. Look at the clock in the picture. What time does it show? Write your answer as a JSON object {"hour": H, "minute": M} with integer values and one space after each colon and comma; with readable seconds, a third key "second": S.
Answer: {"hour": 3, "minute": 40}
